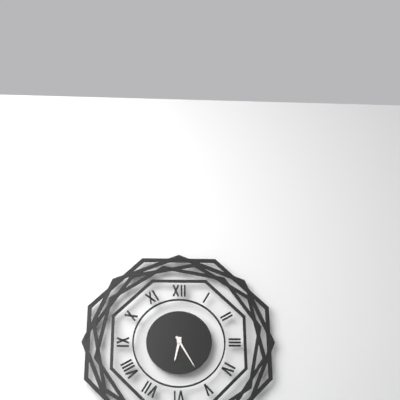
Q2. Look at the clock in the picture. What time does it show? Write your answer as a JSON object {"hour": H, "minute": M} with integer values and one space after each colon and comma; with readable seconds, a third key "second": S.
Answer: {"hour": 6, "minute": 25}
